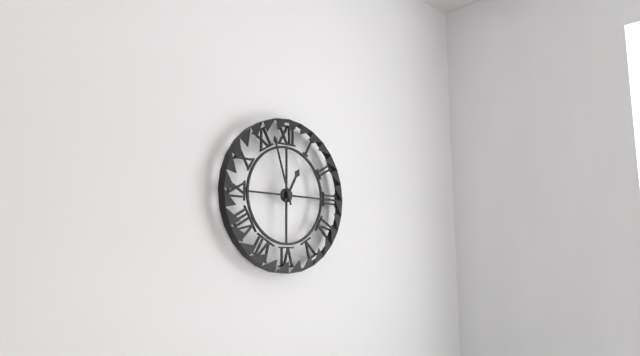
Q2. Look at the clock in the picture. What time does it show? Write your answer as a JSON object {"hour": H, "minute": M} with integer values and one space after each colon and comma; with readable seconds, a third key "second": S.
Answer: {"hour": 12, "minute": 57}
